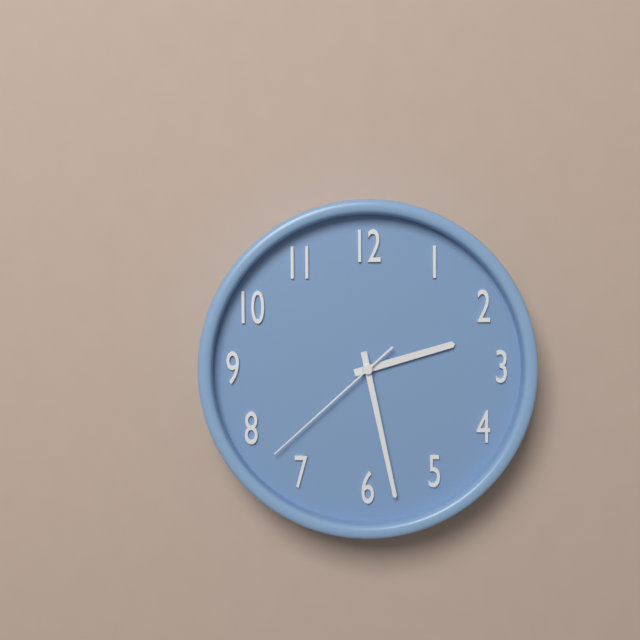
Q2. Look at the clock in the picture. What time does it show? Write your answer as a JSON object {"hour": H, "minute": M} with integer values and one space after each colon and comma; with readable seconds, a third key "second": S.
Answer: {"hour": 2, "minute": 28, "second": 38}
